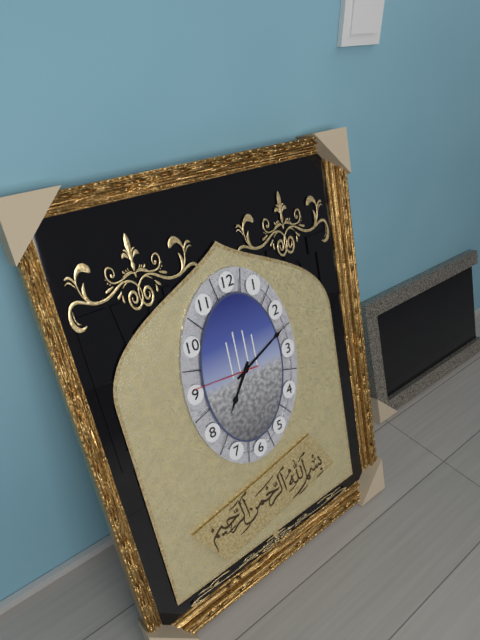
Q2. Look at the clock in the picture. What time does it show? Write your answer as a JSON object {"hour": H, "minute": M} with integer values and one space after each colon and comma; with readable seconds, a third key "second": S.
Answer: {"hour": 7, "minute": 11, "second": 46}
